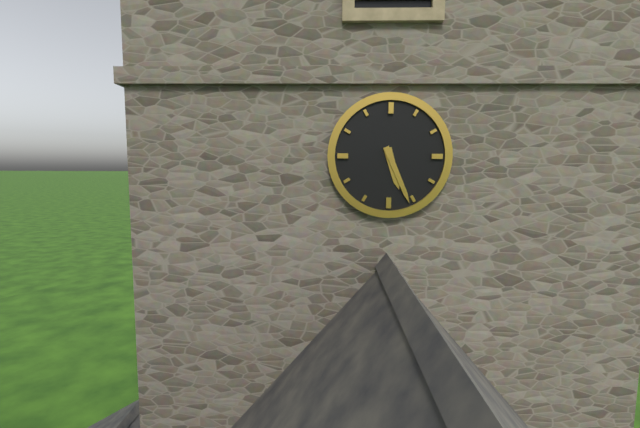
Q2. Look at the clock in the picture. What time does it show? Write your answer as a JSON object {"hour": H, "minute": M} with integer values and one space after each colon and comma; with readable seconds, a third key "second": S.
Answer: {"hour": 5, "minute": 26}
